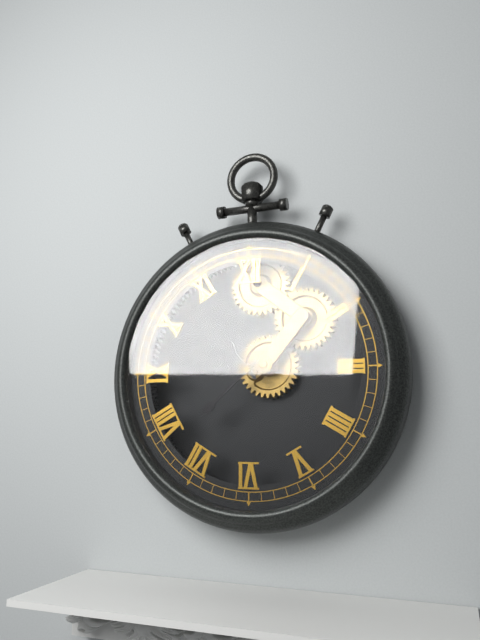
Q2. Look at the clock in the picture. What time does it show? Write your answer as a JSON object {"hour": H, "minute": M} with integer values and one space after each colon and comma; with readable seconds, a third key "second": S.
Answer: {"hour": 10, "minute": 38, "second": 16}
